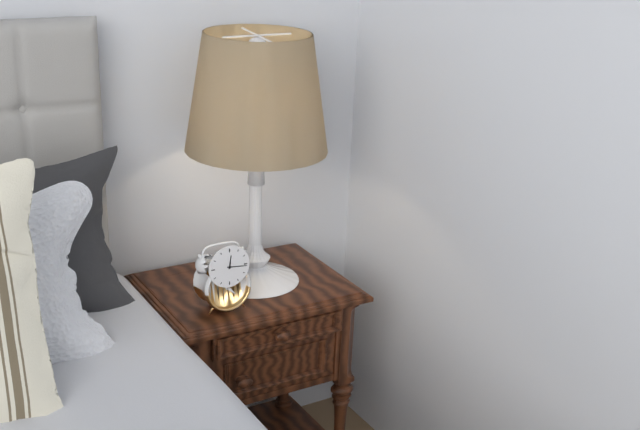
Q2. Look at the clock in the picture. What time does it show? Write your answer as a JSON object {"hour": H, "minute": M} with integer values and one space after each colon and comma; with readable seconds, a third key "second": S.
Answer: {"hour": 12, "minute": 16}
